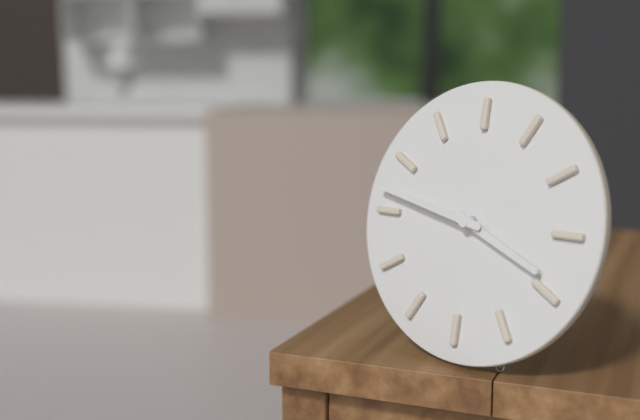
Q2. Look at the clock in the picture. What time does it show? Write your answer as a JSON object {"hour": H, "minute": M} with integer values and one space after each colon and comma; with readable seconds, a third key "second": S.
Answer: {"hour": 3, "minute": 47}
